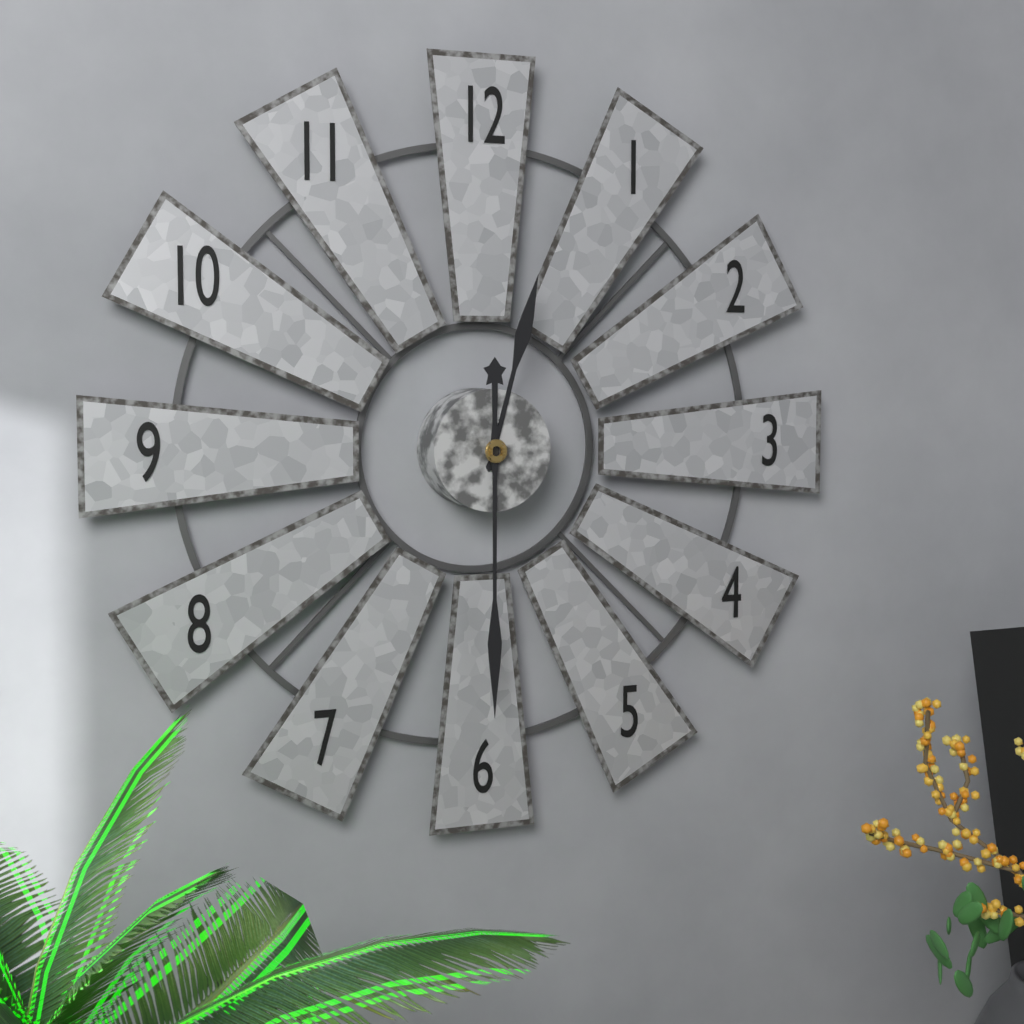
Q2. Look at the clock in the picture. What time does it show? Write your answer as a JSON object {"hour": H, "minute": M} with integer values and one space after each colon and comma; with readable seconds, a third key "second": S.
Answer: {"hour": 12, "minute": 30}
